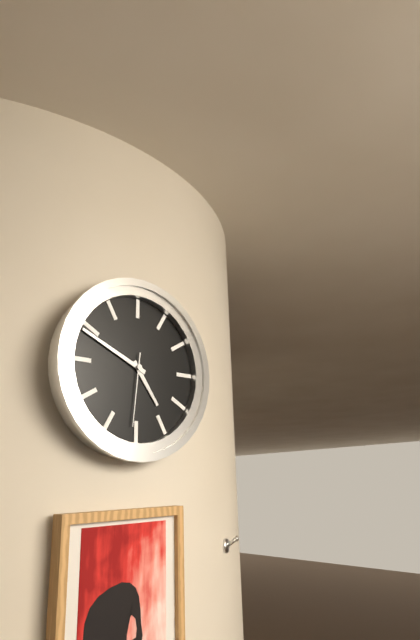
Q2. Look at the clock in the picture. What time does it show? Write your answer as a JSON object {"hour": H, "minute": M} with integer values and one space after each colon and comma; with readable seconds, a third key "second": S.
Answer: {"hour": 4, "minute": 49, "second": 31}
